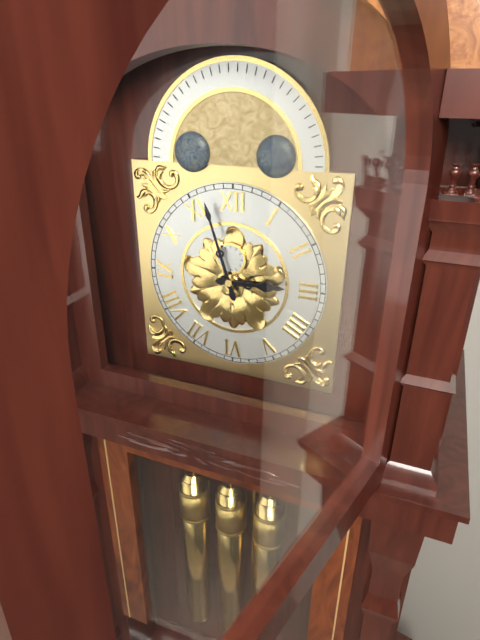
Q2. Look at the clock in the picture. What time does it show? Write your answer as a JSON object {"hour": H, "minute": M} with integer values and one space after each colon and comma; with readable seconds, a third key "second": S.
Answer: {"hour": 2, "minute": 57}
